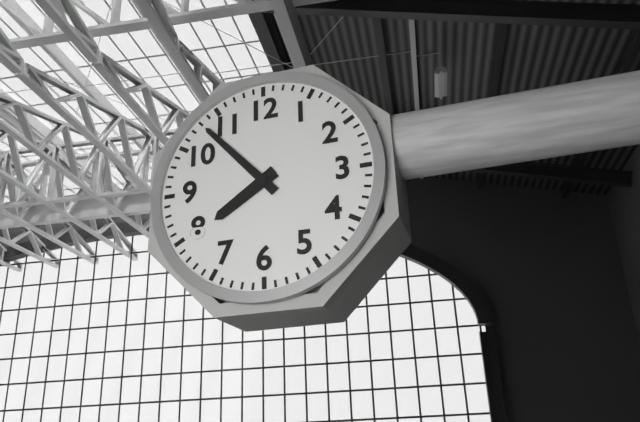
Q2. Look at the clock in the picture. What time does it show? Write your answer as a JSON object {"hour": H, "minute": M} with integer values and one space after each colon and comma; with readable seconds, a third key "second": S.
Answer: {"hour": 7, "minute": 53}
